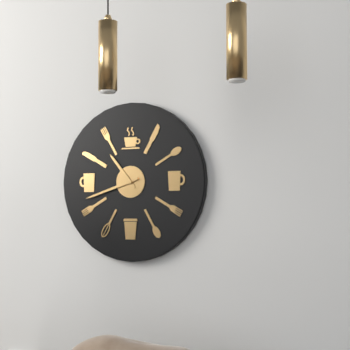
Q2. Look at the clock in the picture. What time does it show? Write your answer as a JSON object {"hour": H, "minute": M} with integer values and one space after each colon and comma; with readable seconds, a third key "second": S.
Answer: {"hour": 10, "minute": 42}
